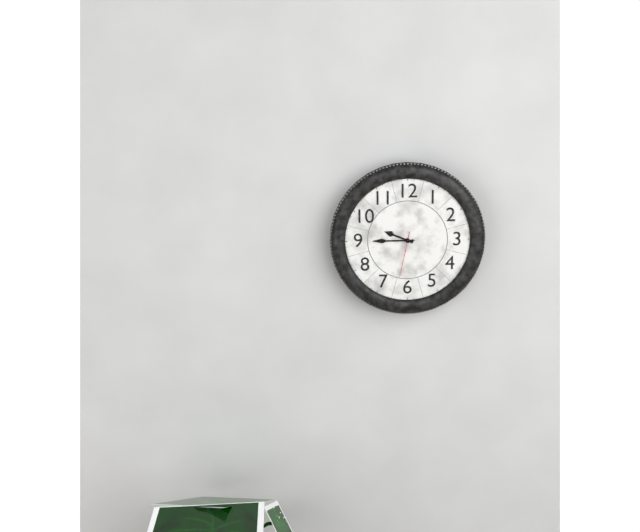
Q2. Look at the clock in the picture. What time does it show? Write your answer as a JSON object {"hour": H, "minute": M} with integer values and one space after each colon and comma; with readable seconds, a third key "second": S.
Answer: {"hour": 9, "minute": 45}
